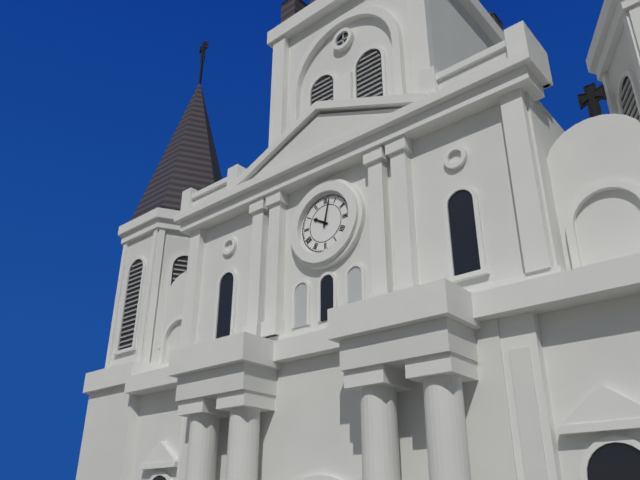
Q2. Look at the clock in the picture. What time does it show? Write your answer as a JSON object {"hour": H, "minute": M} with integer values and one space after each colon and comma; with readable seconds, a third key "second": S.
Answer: {"hour": 10, "minute": 2}
